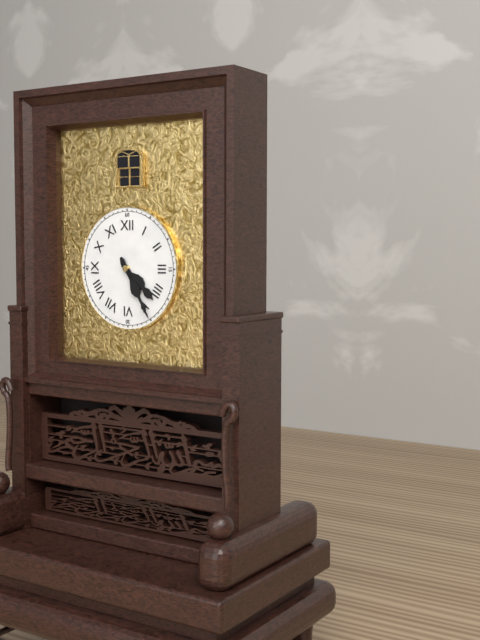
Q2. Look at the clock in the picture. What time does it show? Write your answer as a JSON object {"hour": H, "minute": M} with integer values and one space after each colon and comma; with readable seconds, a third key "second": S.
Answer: {"hour": 4, "minute": 25}
